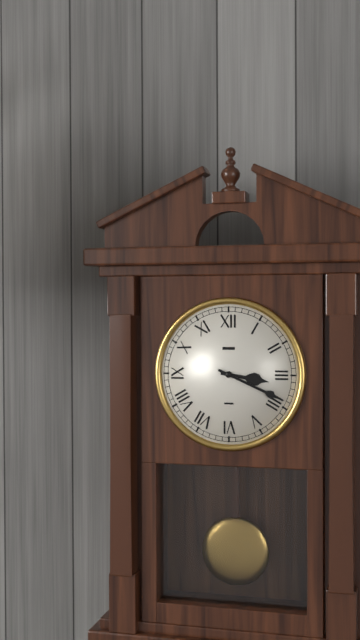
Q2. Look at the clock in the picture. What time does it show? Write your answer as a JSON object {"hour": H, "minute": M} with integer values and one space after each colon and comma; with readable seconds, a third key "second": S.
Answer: {"hour": 3, "minute": 19}
